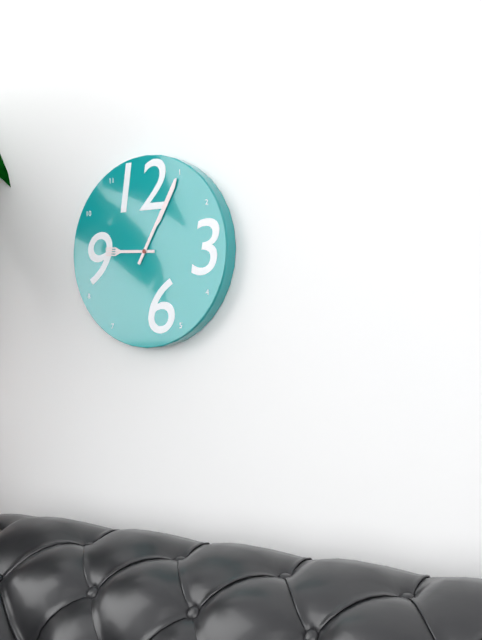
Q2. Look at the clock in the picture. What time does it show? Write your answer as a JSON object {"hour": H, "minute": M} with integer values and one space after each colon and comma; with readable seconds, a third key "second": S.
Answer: {"hour": 9, "minute": 5}
